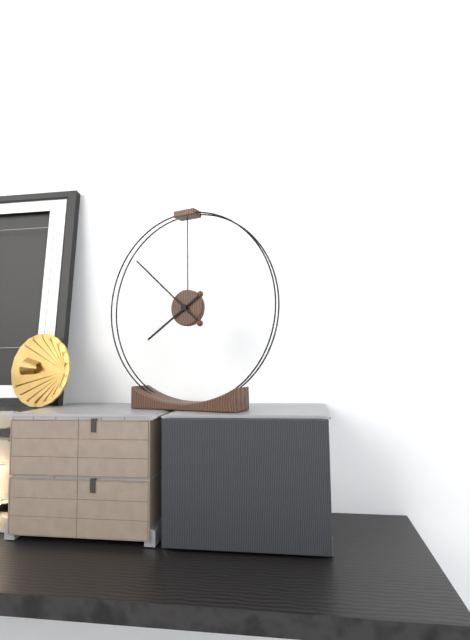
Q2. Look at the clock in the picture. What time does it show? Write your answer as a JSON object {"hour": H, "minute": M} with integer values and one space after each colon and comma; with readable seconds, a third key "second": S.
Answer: {"hour": 7, "minute": 52}
